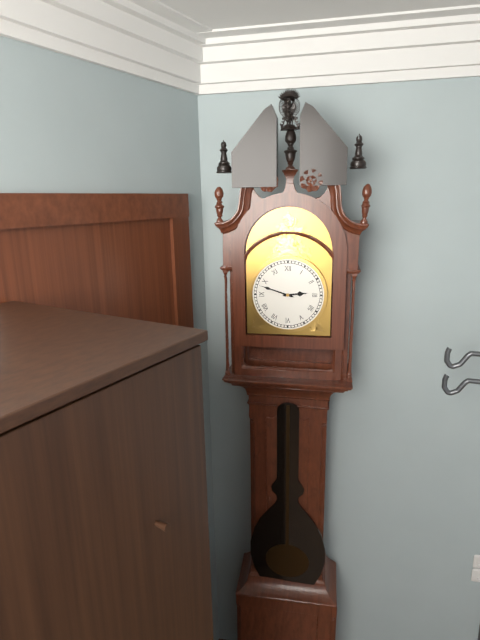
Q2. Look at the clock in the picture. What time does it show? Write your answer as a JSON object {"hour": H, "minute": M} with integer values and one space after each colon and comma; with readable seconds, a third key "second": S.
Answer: {"hour": 2, "minute": 48}
